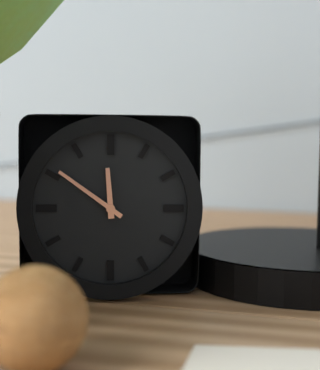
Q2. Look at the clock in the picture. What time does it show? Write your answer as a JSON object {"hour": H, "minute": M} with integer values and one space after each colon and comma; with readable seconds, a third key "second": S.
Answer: {"hour": 11, "minute": 51}
